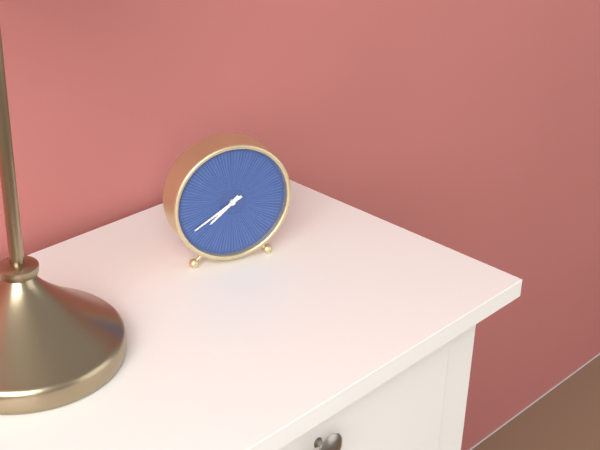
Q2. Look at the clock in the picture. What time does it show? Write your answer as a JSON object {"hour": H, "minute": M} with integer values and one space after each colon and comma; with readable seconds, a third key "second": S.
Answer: {"hour": 7, "minute": 40}
